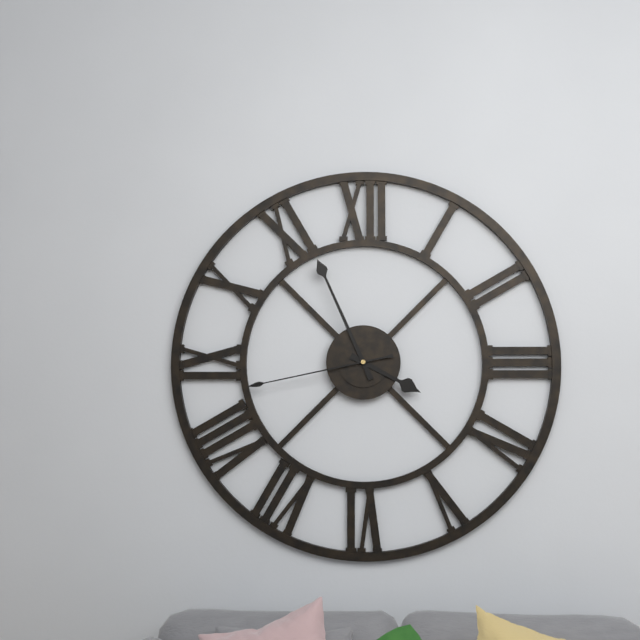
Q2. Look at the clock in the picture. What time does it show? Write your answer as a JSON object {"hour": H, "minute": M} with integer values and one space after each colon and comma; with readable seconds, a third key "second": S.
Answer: {"hour": 3, "minute": 56, "second": 43}
